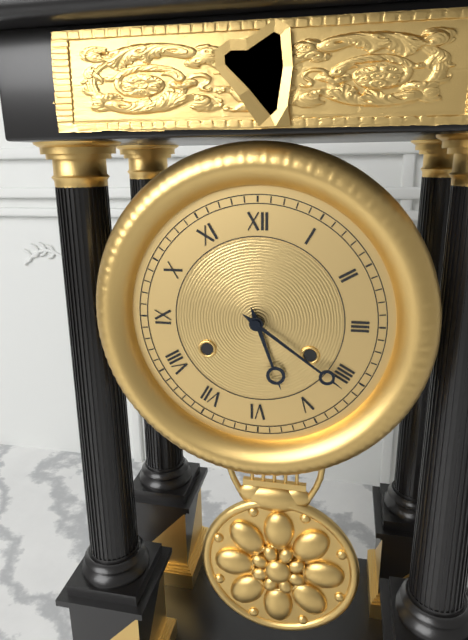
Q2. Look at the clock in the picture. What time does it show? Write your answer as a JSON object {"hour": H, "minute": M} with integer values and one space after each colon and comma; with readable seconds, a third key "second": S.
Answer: {"hour": 5, "minute": 21}
